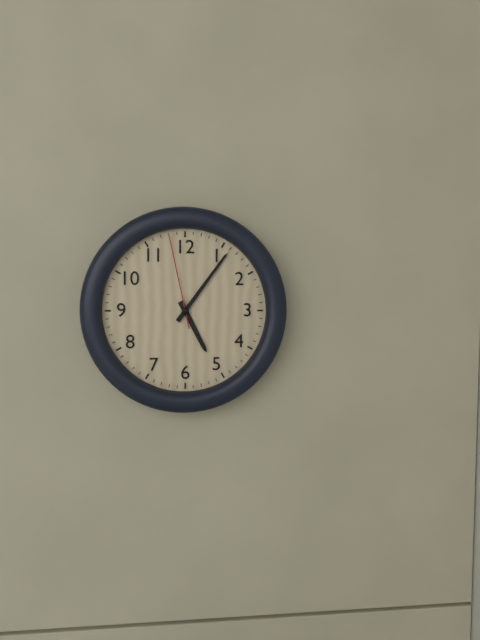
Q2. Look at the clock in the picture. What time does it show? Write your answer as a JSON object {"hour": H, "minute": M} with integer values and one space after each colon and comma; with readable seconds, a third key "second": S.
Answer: {"hour": 5, "minute": 6, "second": 58}
